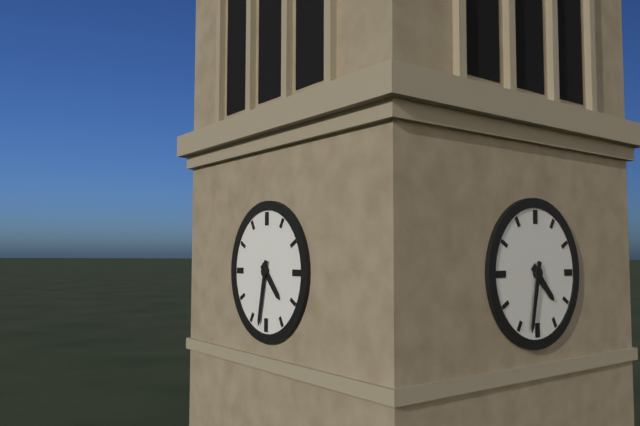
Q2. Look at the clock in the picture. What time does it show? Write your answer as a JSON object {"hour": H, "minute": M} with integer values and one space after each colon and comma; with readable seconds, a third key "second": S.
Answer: {"hour": 4, "minute": 32}
